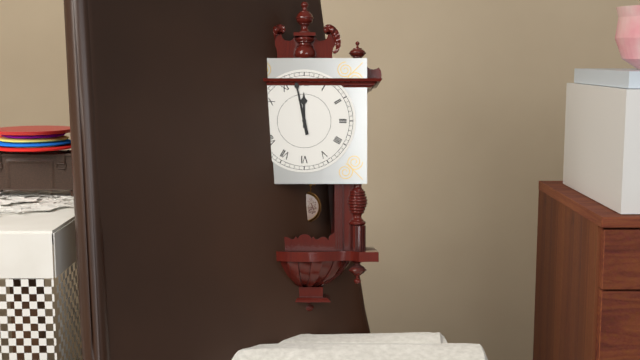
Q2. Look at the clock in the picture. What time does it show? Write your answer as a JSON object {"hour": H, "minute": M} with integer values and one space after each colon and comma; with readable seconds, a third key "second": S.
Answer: {"hour": 11, "minute": 58}
